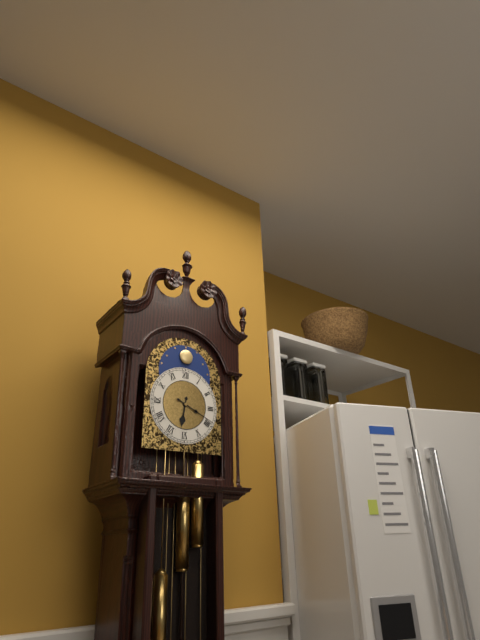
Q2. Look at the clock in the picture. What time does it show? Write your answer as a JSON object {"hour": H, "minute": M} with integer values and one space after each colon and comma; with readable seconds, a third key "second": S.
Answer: {"hour": 6, "minute": 19}
